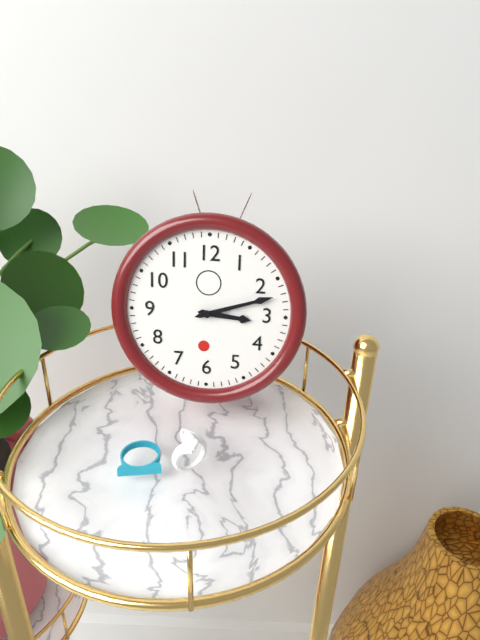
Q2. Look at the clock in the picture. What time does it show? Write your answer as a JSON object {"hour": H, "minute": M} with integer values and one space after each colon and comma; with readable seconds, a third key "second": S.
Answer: {"hour": 3, "minute": 12}
